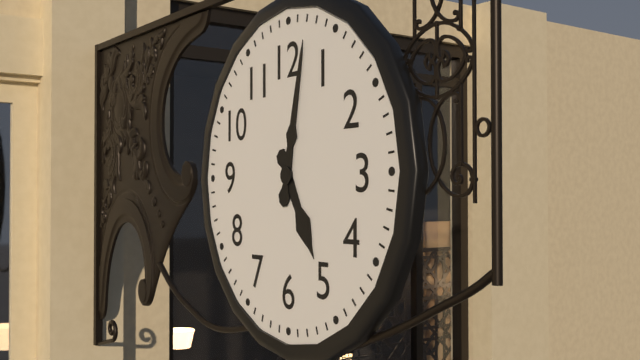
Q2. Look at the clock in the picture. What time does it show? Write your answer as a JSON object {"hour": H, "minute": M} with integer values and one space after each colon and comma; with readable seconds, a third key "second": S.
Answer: {"hour": 5, "minute": 2}
